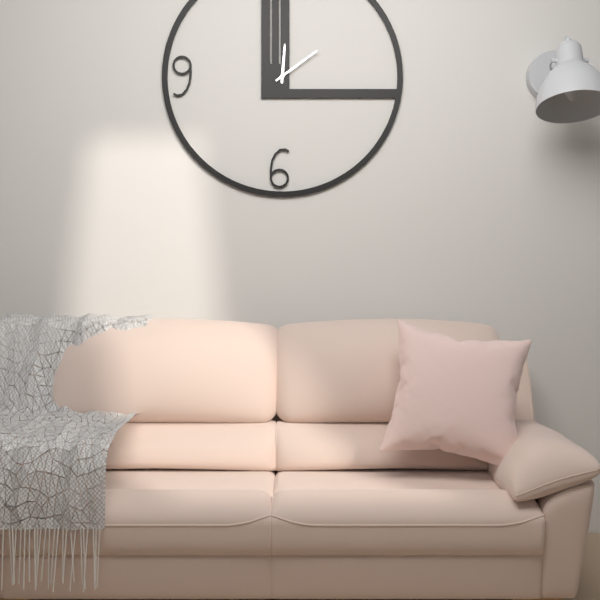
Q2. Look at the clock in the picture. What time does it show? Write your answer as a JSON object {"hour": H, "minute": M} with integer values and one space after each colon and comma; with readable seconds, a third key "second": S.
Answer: {"hour": 12, "minute": 9}
